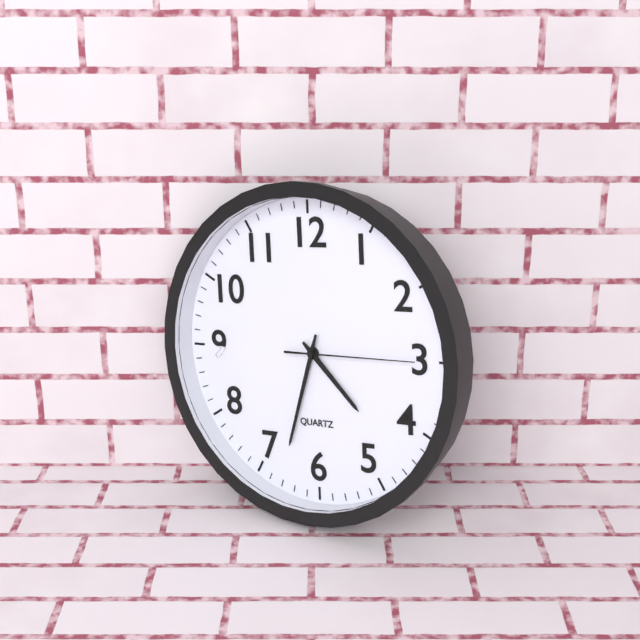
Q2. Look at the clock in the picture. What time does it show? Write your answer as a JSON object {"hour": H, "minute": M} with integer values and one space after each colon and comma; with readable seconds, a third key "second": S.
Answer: {"hour": 4, "minute": 33, "second": 15}
